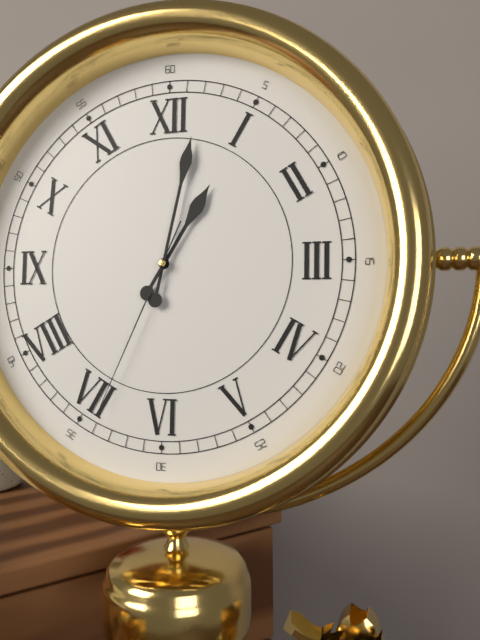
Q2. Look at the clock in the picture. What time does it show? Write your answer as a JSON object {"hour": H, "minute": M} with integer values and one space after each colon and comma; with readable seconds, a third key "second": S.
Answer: {"hour": 1, "minute": 2, "second": 34}
